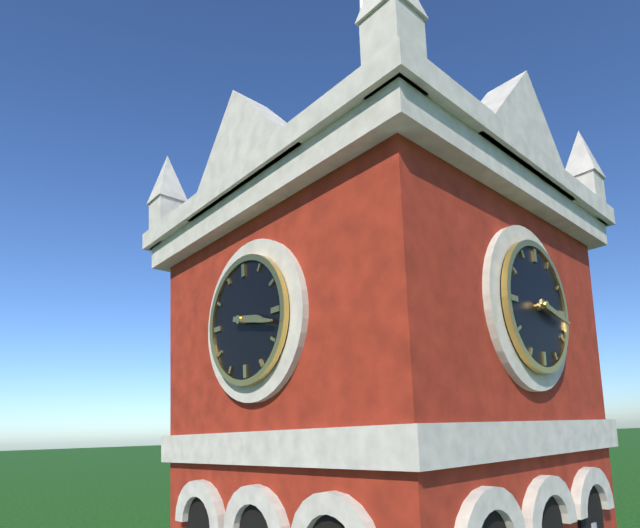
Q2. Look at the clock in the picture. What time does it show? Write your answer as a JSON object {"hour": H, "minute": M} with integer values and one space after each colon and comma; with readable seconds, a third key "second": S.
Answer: {"hour": 3, "minute": 17}
